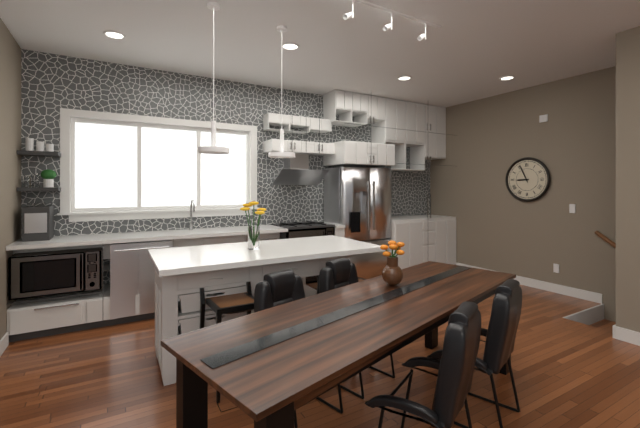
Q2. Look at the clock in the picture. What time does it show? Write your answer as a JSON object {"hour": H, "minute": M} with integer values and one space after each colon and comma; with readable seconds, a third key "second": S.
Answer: {"hour": 8, "minute": 56}
